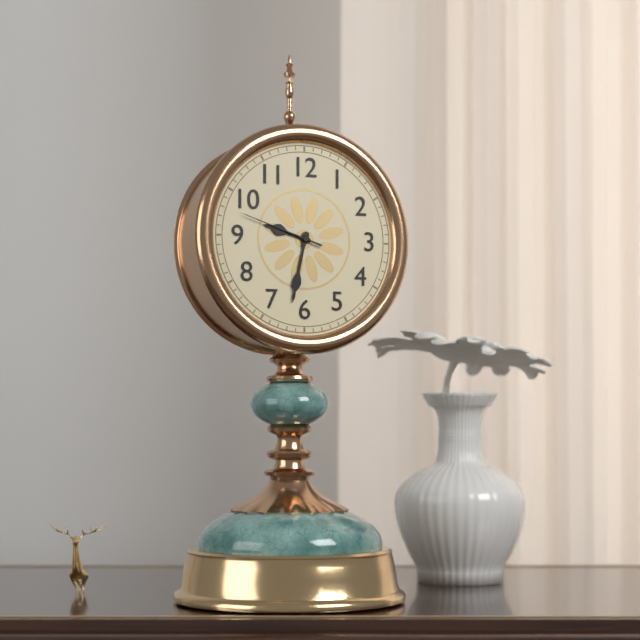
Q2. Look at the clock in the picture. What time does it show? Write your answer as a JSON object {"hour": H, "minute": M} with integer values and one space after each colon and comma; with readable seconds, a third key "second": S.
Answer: {"hour": 9, "minute": 32, "second": 48}
